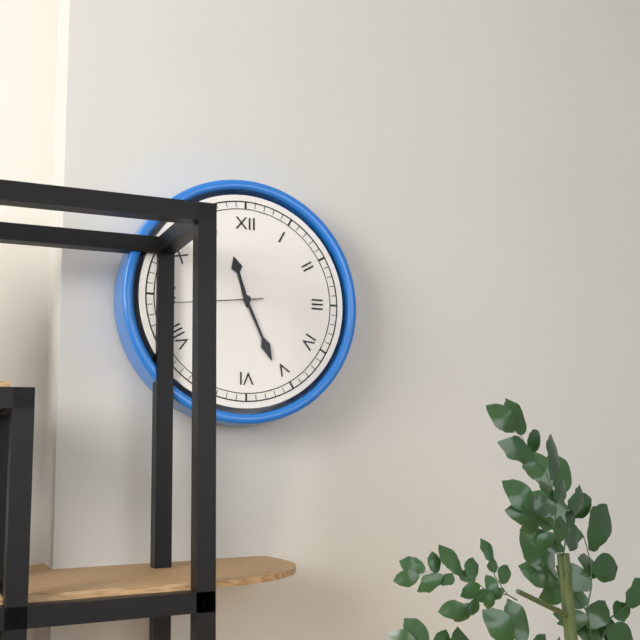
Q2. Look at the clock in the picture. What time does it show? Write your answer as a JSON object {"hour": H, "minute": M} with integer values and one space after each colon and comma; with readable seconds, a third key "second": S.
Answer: {"hour": 11, "minute": 26, "second": 44}
